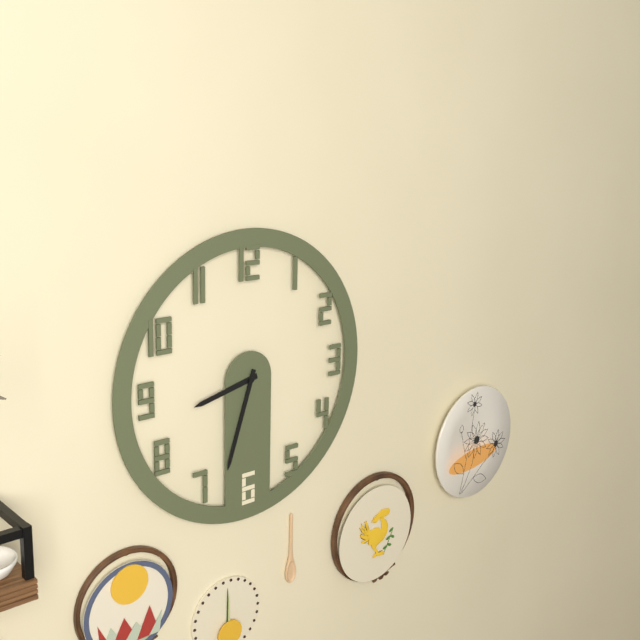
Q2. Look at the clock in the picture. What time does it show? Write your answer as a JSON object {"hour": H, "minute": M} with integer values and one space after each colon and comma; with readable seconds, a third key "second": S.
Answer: {"hour": 8, "minute": 33}
